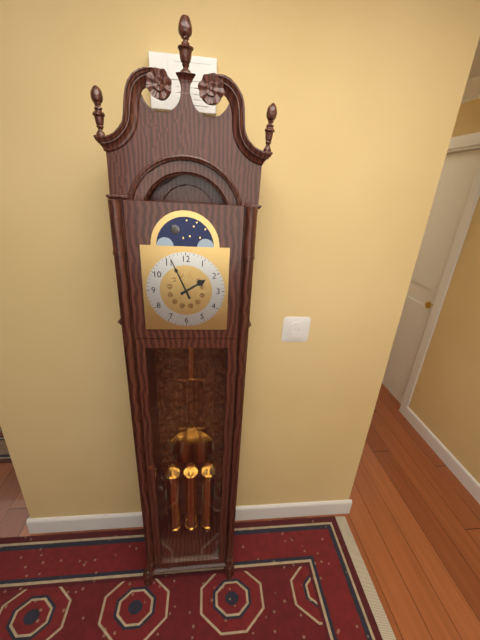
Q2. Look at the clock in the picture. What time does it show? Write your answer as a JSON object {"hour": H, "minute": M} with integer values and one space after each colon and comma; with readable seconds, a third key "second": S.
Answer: {"hour": 1, "minute": 56}
